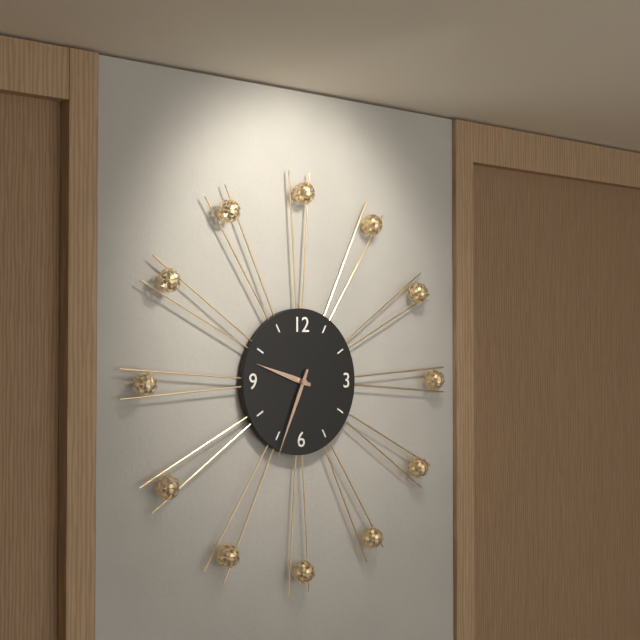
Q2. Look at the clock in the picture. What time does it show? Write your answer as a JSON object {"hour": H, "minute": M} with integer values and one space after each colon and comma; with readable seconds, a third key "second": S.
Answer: {"hour": 9, "minute": 34}
